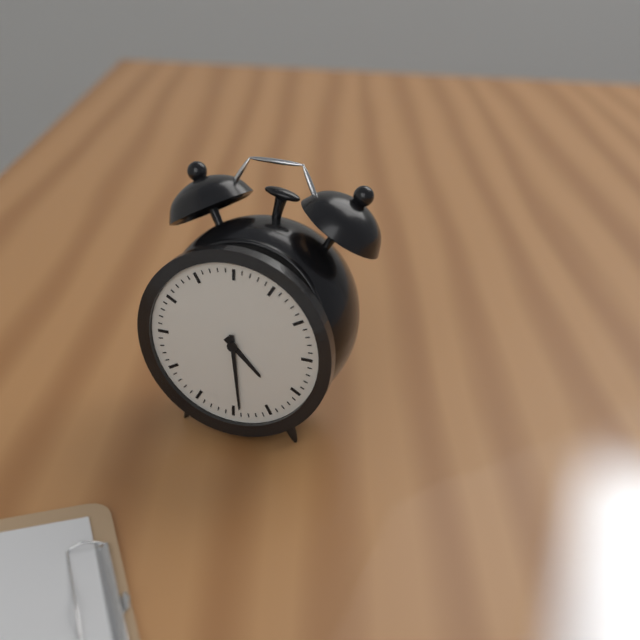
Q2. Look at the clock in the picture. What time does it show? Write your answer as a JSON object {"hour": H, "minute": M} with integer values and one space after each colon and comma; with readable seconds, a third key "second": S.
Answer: {"hour": 4, "minute": 29}
